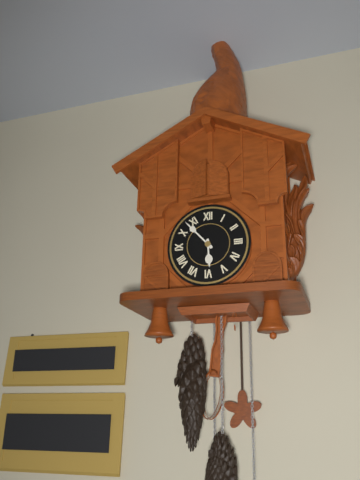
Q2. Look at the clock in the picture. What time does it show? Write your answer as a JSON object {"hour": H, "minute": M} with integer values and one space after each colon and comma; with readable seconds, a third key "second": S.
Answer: {"hour": 5, "minute": 53}
